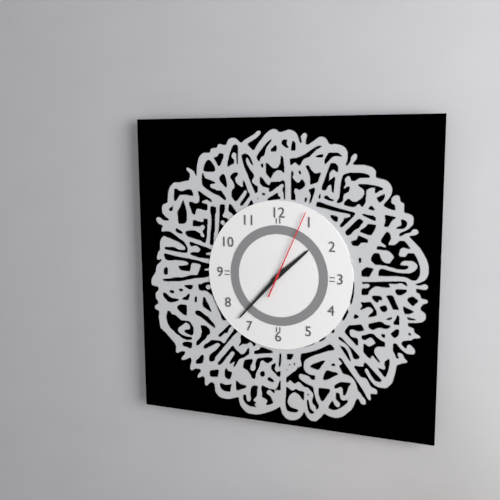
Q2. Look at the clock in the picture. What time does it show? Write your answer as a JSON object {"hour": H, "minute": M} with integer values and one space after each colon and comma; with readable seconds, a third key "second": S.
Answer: {"hour": 1, "minute": 37, "second": 4}
